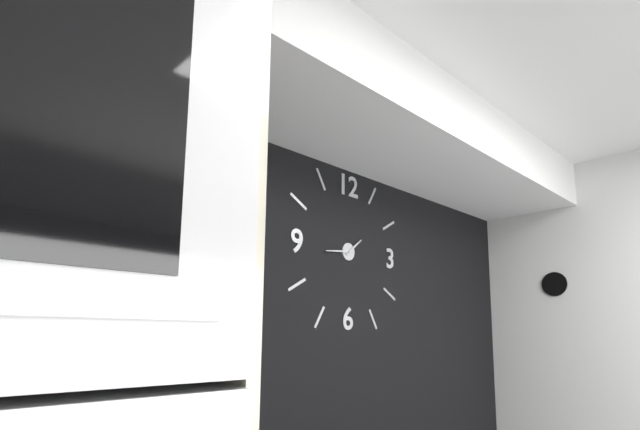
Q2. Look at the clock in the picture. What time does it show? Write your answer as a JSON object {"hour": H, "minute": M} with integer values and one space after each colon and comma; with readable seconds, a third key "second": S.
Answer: {"hour": 1, "minute": 44}
